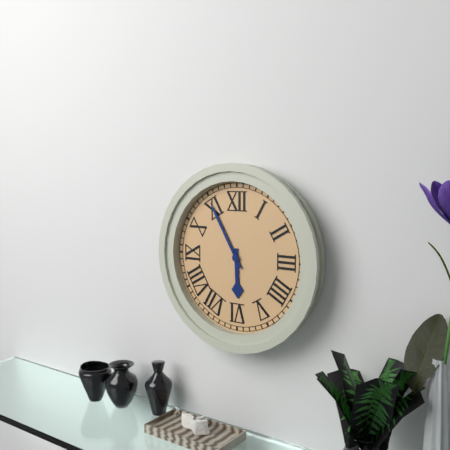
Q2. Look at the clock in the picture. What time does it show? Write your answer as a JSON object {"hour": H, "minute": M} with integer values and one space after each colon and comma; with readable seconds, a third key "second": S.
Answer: {"hour": 5, "minute": 55}
